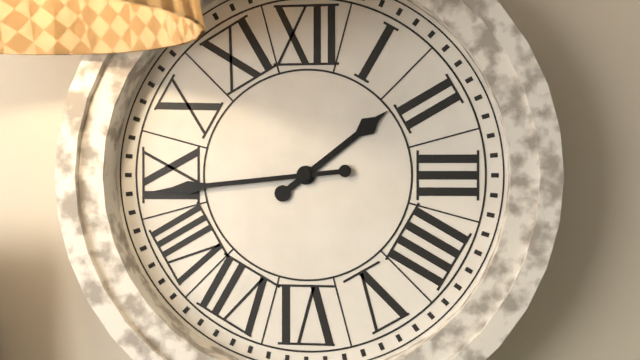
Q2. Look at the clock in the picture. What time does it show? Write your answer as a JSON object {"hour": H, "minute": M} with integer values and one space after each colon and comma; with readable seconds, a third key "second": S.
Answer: {"hour": 1, "minute": 44}
